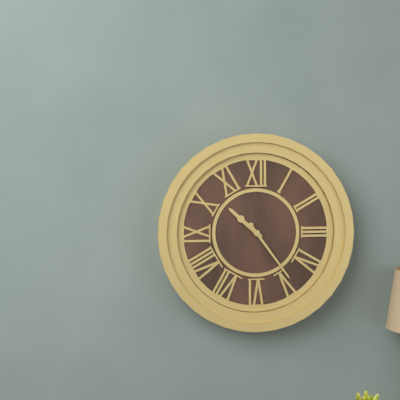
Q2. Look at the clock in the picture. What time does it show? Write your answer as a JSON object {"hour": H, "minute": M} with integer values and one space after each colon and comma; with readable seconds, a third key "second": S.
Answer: {"hour": 10, "minute": 24}
